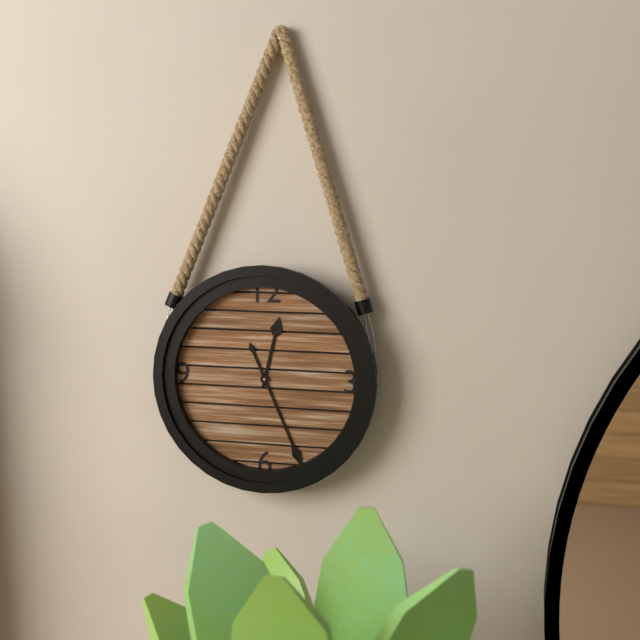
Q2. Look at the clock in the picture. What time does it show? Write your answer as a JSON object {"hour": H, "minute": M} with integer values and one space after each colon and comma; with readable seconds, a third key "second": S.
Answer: {"hour": 12, "minute": 26}
